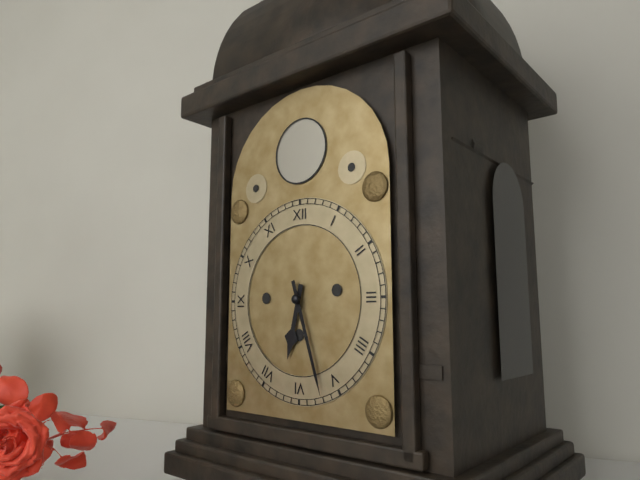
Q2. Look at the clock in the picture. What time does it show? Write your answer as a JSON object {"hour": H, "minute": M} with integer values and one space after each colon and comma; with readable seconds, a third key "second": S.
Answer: {"hour": 6, "minute": 27}
